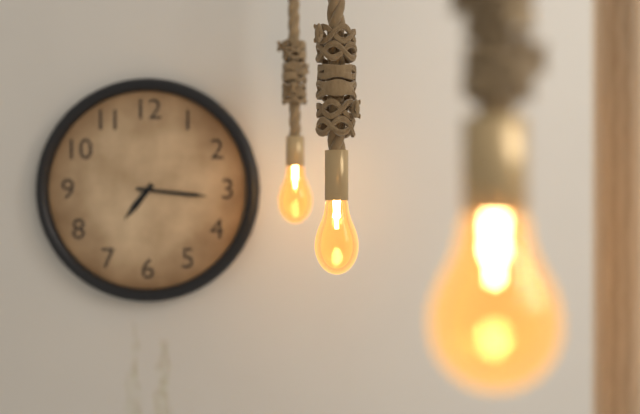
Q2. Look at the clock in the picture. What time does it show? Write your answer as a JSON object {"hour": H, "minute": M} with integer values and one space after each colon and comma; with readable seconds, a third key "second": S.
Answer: {"hour": 7, "minute": 16}
